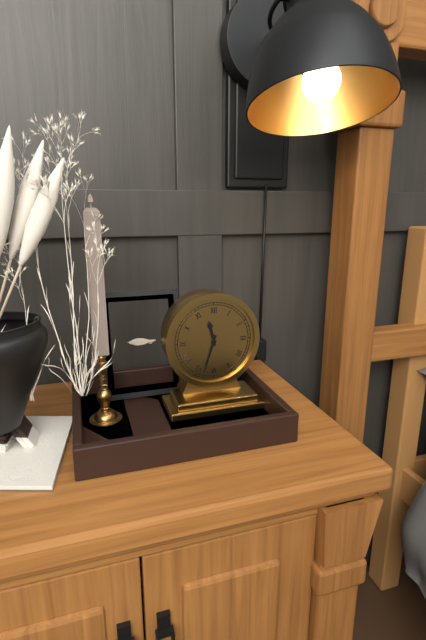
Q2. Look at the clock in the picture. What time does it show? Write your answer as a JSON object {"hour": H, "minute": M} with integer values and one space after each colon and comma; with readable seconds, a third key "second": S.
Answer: {"hour": 11, "minute": 33}
